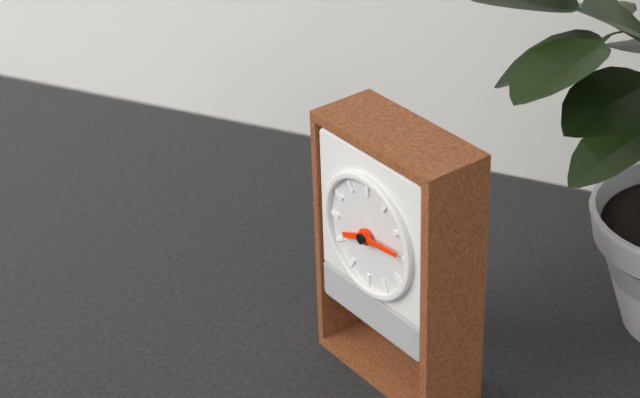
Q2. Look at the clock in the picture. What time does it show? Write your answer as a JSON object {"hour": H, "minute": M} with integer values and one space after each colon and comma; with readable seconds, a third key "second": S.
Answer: {"hour": 8, "minute": 14}
